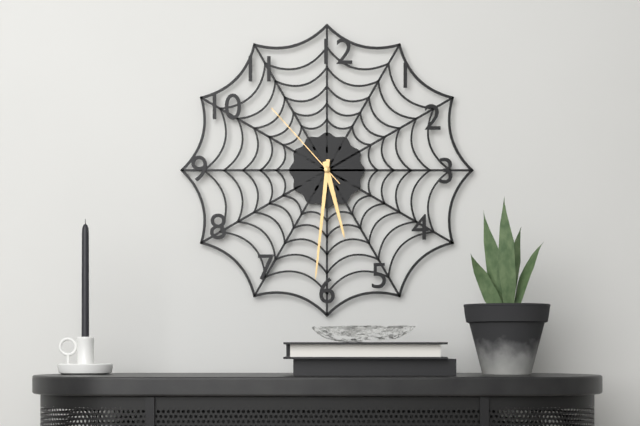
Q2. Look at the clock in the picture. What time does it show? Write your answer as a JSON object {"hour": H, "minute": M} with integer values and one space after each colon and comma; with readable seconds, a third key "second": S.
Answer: {"hour": 5, "minute": 31, "second": 53}
